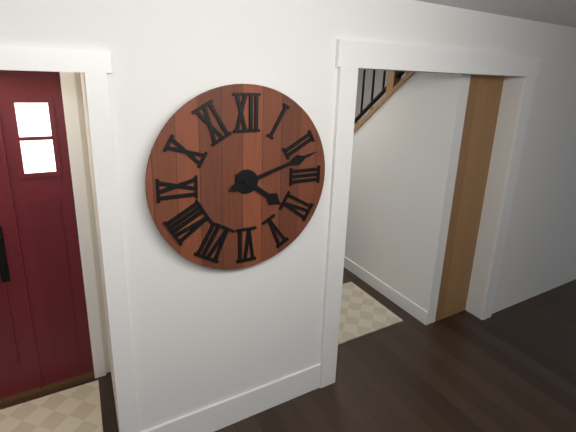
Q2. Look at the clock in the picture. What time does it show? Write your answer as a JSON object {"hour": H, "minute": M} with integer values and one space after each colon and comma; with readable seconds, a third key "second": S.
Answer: {"hour": 4, "minute": 12}
